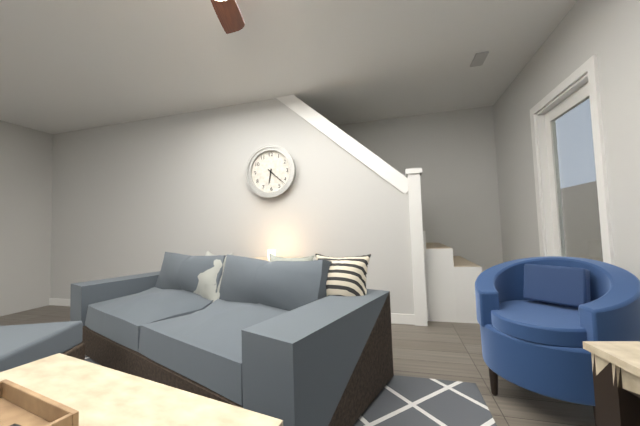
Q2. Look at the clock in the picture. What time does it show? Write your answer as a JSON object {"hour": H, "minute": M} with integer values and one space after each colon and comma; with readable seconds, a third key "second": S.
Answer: {"hour": 6, "minute": 22}
